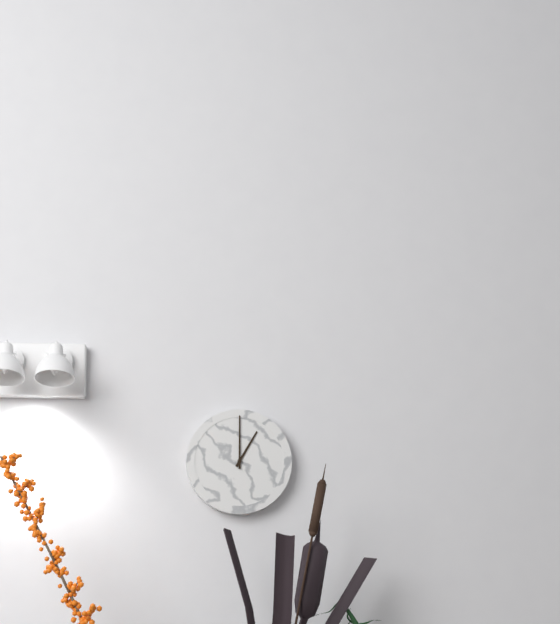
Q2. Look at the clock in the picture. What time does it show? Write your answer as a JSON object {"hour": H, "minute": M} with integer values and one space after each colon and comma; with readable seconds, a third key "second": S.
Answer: {"hour": 1, "minute": 0}
